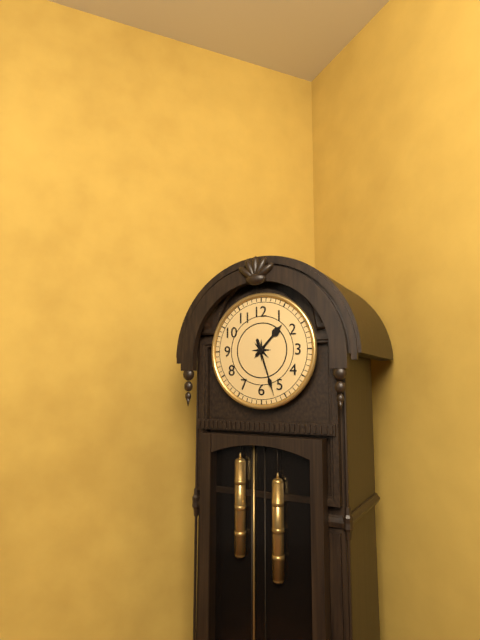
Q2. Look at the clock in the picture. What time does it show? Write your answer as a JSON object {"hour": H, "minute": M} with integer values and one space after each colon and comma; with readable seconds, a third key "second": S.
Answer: {"hour": 1, "minute": 27}
